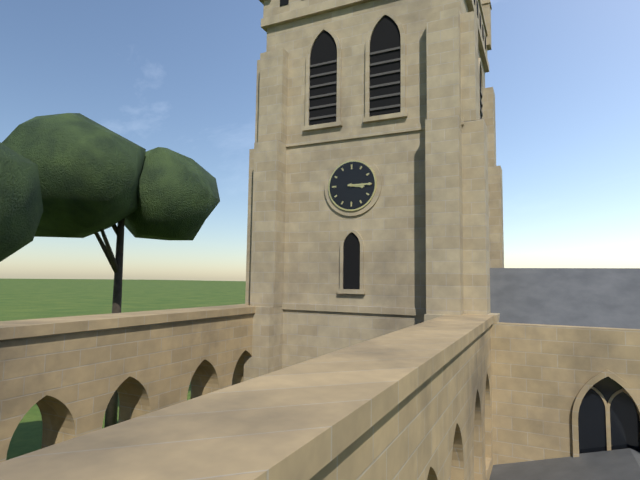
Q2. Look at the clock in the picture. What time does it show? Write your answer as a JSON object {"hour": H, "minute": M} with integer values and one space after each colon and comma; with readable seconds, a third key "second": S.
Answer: {"hour": 3, "minute": 15}
